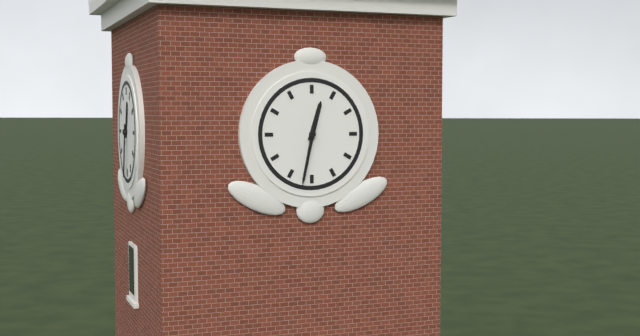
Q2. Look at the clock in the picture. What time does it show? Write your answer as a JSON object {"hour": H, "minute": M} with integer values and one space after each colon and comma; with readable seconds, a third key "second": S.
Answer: {"hour": 12, "minute": 32}
